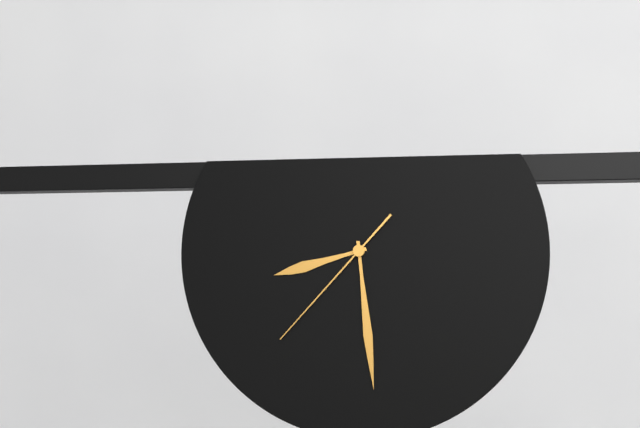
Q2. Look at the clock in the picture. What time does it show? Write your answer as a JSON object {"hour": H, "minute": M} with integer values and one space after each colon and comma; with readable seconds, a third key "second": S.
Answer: {"hour": 8, "minute": 29, "second": 37}
